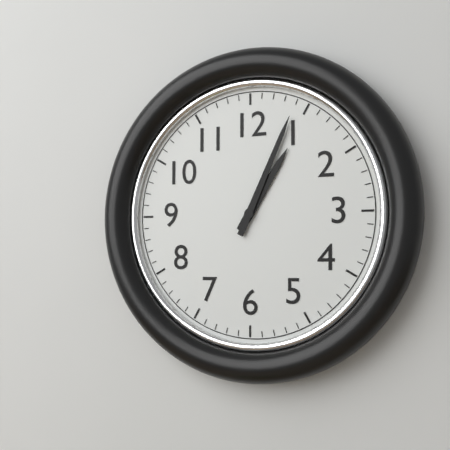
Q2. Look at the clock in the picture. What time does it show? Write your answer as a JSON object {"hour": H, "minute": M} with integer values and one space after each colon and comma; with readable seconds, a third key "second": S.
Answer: {"hour": 1, "minute": 4}
